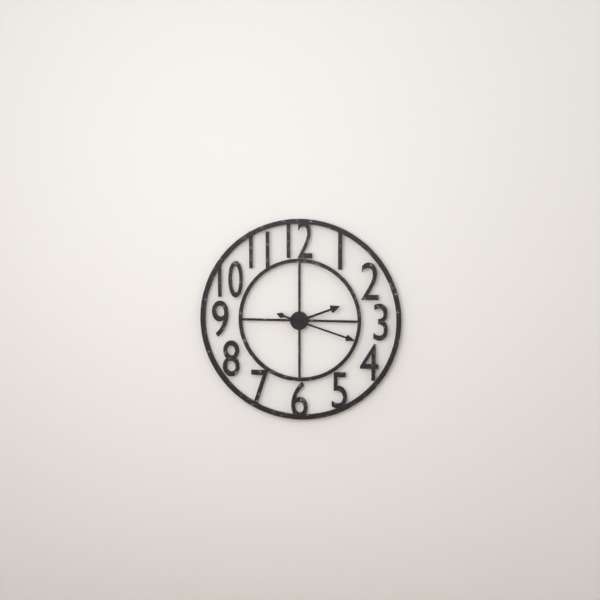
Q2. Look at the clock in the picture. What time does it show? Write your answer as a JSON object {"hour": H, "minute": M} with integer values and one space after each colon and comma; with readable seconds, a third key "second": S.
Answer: {"hour": 2, "minute": 18}
